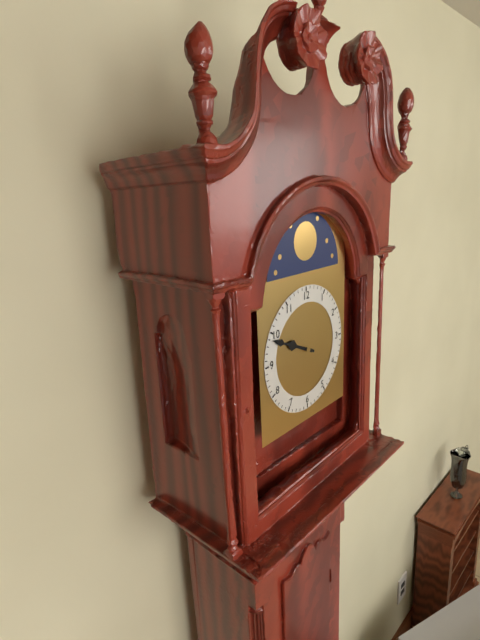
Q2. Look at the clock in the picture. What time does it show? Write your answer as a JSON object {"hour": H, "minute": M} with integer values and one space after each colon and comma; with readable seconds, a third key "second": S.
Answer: {"hour": 9, "minute": 49}
